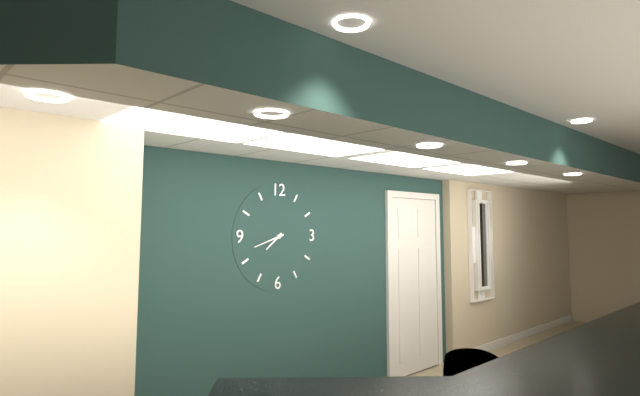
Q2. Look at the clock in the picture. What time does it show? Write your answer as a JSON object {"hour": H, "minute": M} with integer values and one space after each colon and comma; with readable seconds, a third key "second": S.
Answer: {"hour": 7, "minute": 42}
